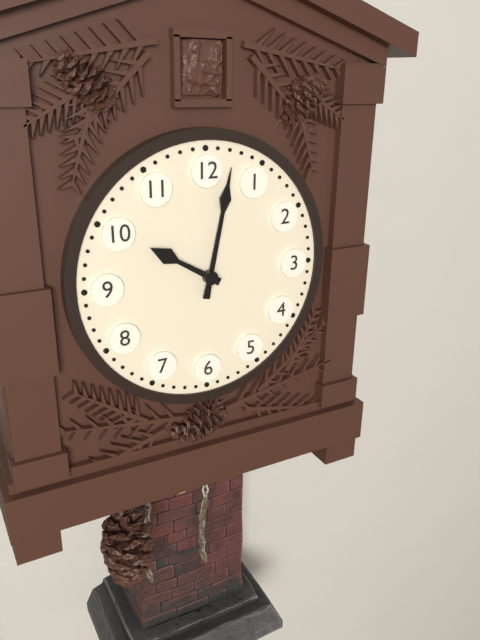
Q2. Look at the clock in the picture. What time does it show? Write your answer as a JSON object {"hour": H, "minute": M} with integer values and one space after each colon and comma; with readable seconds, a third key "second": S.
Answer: {"hour": 10, "minute": 2}
